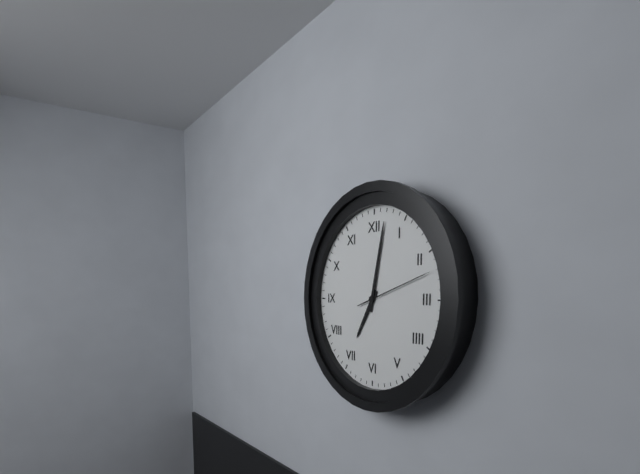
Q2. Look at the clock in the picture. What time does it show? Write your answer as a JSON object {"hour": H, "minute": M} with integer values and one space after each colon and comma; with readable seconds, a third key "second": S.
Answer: {"hour": 7, "minute": 2, "second": 12}
